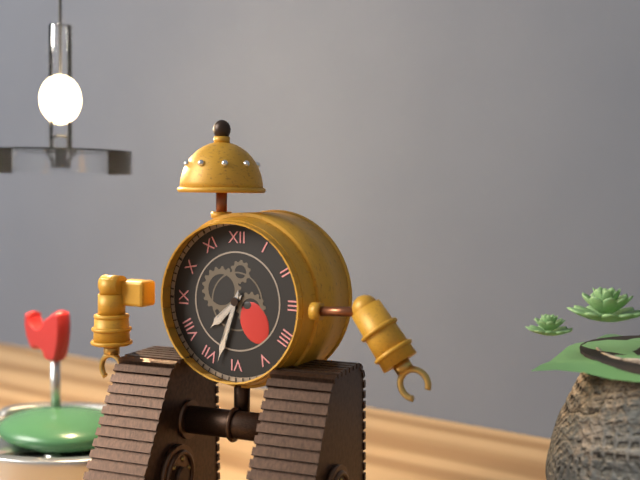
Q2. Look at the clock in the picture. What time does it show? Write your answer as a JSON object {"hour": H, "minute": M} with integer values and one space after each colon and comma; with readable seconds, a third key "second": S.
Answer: {"hour": 7, "minute": 33}
